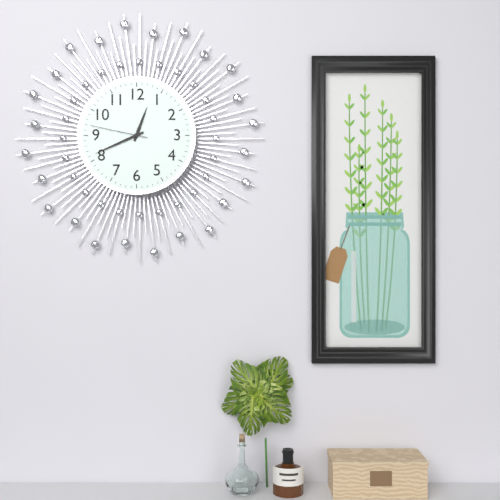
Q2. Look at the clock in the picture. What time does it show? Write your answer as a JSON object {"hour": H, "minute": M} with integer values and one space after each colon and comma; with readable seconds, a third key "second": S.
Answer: {"hour": 12, "minute": 41, "second": 47}
